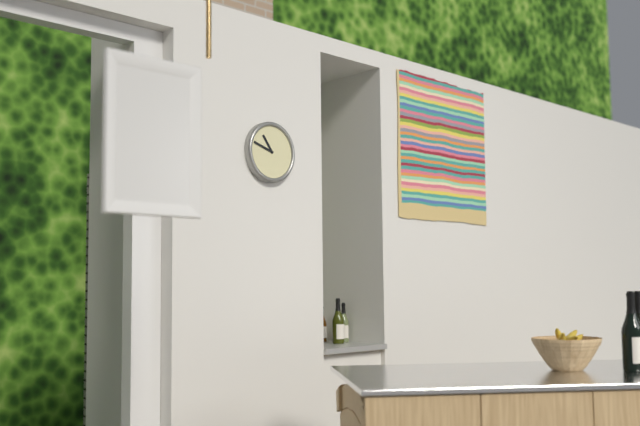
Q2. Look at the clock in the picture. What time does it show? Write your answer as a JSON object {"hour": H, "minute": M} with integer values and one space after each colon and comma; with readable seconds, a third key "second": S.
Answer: {"hour": 10, "minute": 48}
